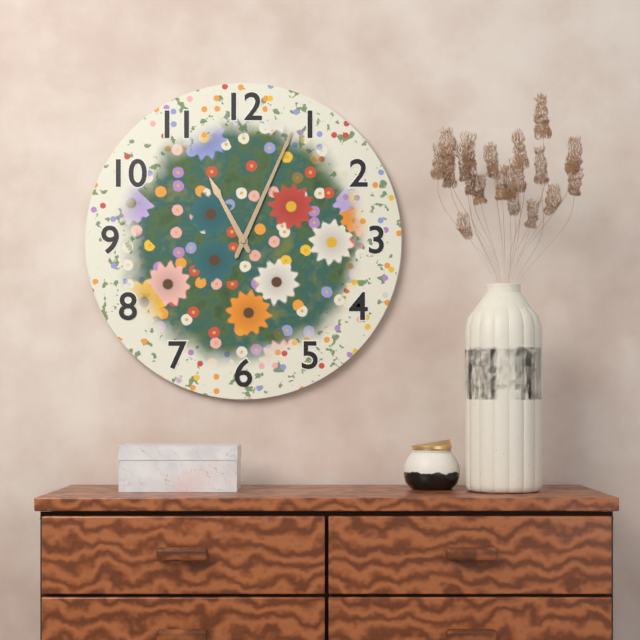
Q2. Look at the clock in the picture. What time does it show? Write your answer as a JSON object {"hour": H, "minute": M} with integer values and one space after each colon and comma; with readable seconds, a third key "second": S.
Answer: {"hour": 11, "minute": 4}
